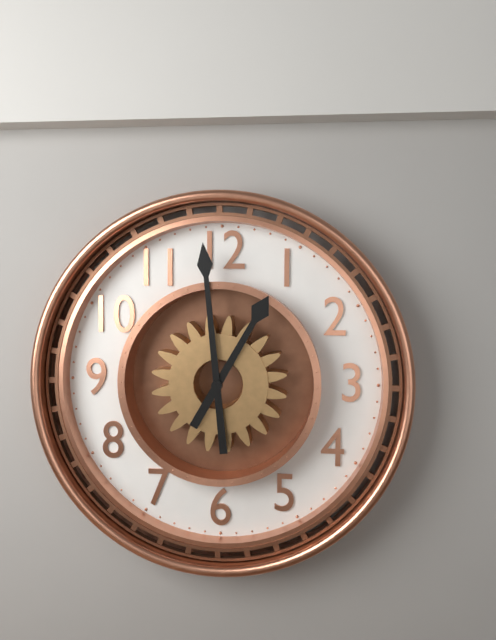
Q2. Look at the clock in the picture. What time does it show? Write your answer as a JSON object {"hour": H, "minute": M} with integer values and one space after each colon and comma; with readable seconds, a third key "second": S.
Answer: {"hour": 12, "minute": 59}
